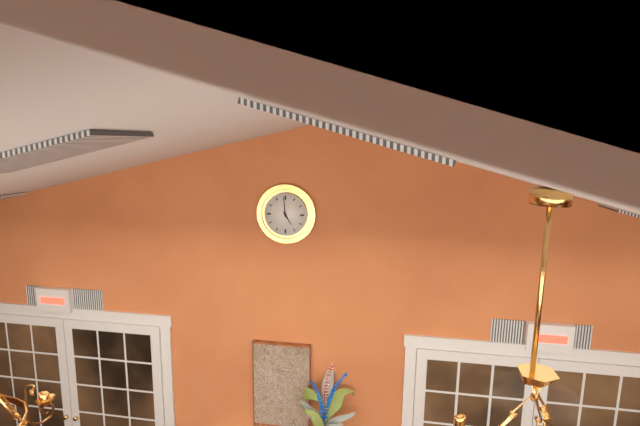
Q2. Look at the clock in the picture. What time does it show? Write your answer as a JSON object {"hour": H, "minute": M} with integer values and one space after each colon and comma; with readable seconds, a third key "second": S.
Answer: {"hour": 4, "minute": 59}
